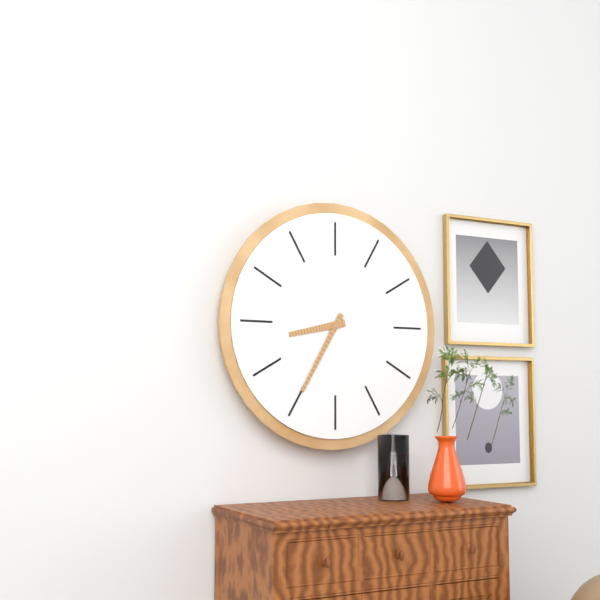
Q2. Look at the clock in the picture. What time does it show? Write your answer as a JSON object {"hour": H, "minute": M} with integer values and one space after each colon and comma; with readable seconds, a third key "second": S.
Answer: {"hour": 8, "minute": 35}
